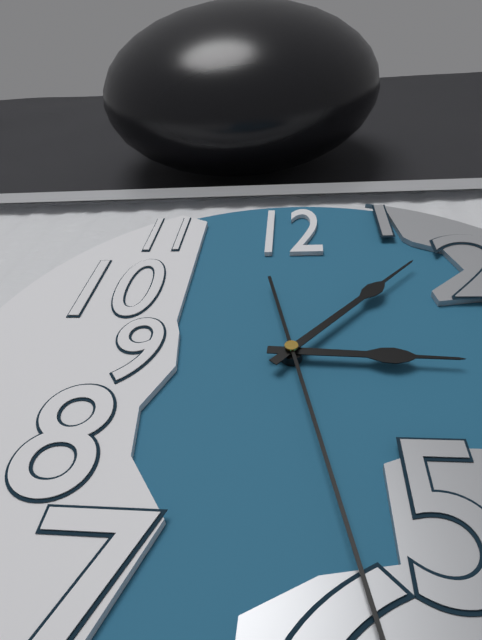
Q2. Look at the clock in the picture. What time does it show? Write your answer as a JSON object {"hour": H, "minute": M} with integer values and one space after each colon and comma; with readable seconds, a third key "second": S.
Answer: {"hour": 3, "minute": 7}
